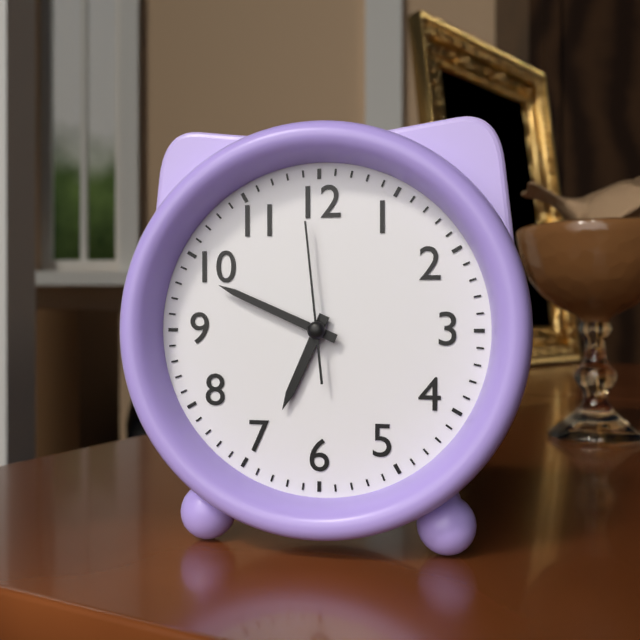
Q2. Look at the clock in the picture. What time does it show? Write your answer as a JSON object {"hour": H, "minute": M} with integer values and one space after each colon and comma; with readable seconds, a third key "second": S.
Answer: {"hour": 6, "minute": 49, "second": 59}
